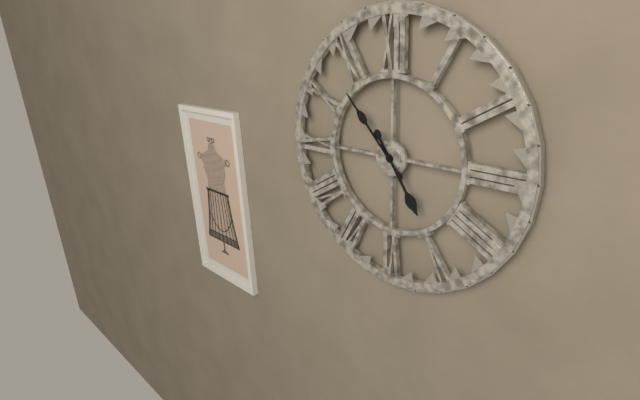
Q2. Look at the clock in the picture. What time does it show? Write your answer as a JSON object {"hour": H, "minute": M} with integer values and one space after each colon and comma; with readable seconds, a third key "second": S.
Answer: {"hour": 4, "minute": 53}
